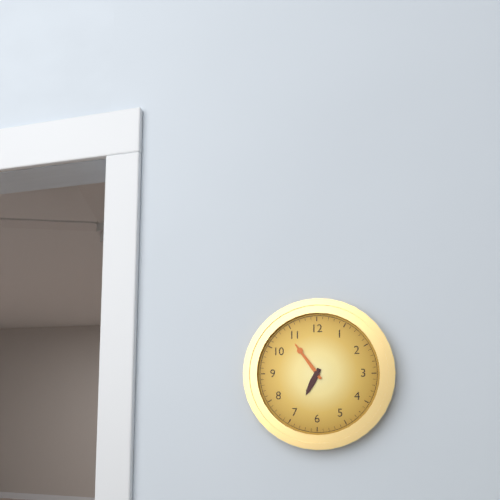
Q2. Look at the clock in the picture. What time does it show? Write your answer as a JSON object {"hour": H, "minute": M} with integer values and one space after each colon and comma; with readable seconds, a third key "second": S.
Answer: {"hour": 6, "minute": 54}
